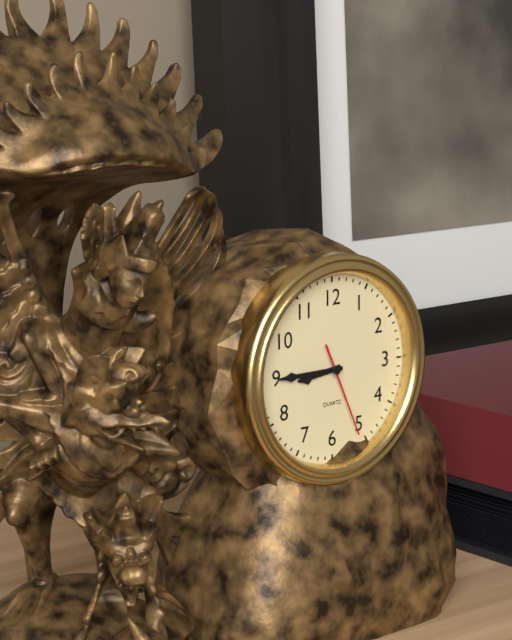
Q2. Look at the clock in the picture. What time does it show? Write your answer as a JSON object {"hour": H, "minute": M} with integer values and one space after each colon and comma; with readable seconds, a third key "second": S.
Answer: {"hour": 8, "minute": 45, "second": 26}
